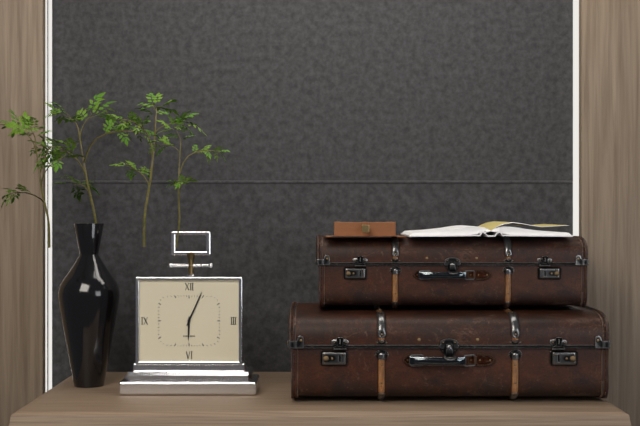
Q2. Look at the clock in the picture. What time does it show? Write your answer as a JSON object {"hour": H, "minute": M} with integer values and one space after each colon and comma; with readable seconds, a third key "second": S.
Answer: {"hour": 6, "minute": 4}
